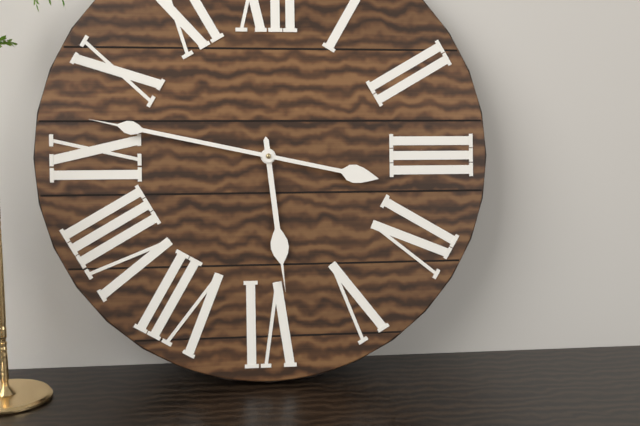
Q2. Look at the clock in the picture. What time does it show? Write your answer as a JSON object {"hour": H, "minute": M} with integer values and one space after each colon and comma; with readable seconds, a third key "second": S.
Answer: {"hour": 5, "minute": 47}
